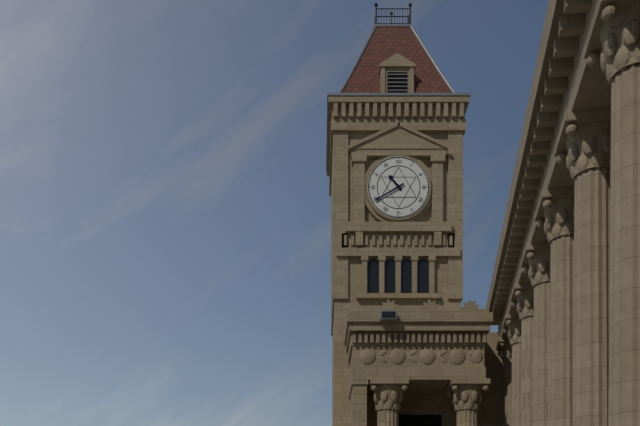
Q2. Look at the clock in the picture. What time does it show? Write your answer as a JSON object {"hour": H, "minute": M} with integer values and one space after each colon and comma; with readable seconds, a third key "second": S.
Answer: {"hour": 10, "minute": 40}
